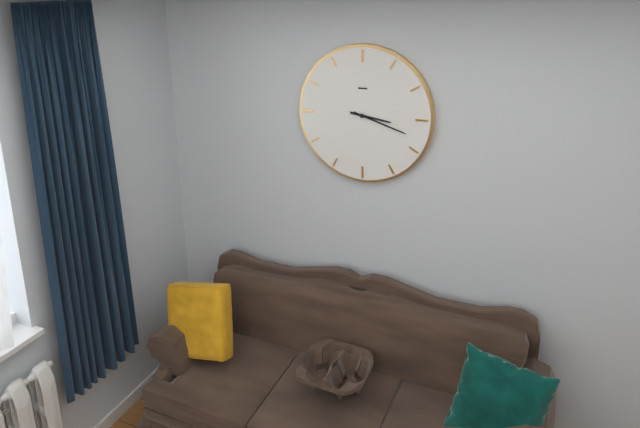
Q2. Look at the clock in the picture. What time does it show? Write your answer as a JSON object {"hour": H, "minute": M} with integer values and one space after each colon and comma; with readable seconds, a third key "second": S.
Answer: {"hour": 3, "minute": 18}
